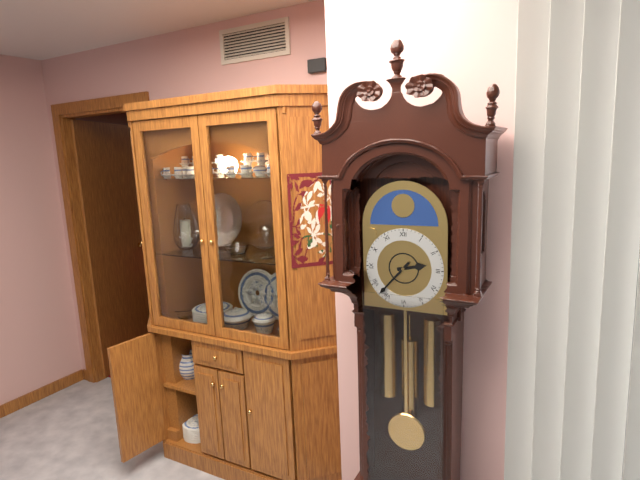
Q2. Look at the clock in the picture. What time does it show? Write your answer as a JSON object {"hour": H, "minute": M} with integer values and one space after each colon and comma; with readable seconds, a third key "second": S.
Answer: {"hour": 2, "minute": 37}
